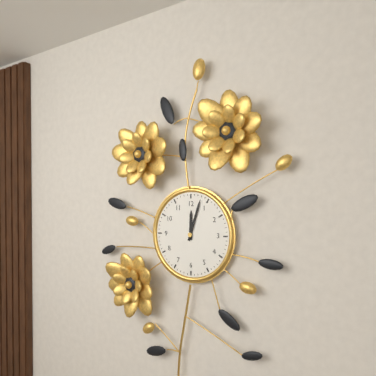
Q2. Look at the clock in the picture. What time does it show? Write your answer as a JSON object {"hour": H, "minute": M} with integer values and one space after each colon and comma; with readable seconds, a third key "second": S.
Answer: {"hour": 12, "minute": 3}
